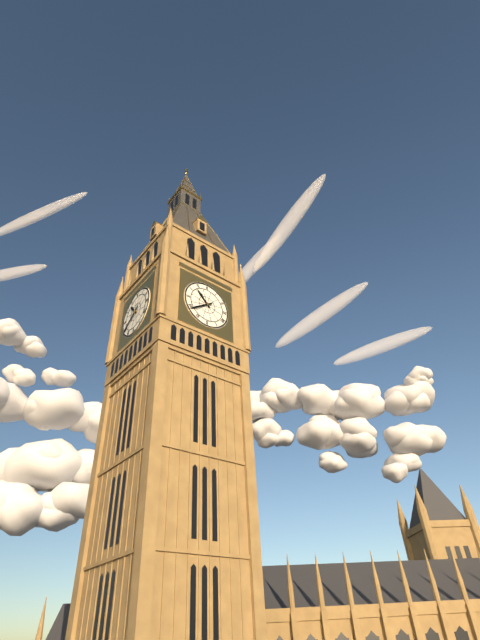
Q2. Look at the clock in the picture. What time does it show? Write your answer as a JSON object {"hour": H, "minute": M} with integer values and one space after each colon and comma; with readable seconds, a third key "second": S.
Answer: {"hour": 10, "minute": 39}
